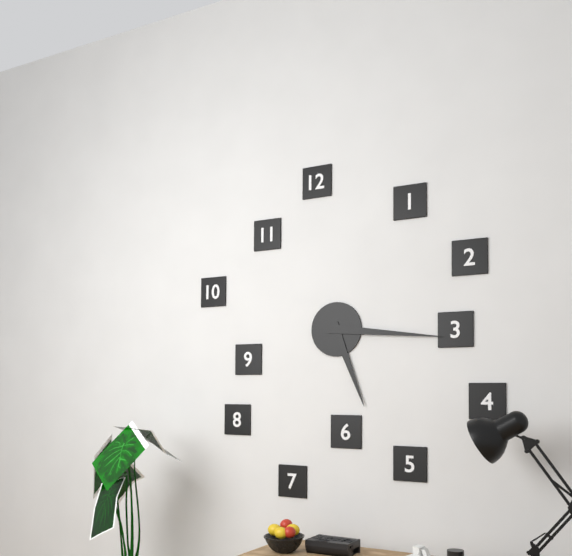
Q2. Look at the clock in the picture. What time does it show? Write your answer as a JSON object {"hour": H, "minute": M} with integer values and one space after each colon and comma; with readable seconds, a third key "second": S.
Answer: {"hour": 5, "minute": 16}
